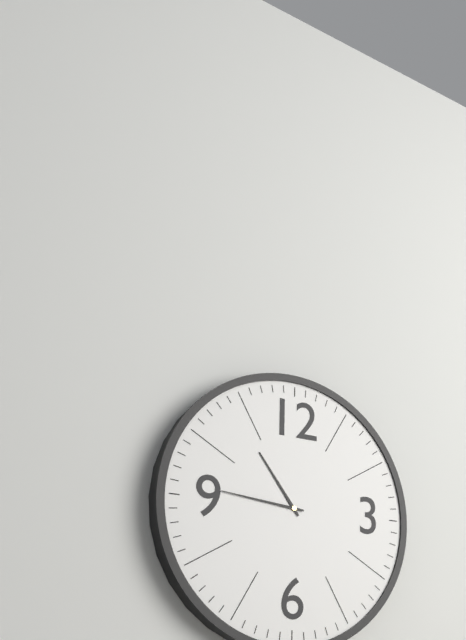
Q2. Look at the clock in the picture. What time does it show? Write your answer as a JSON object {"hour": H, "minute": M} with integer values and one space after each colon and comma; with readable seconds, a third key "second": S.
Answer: {"hour": 10, "minute": 46}
